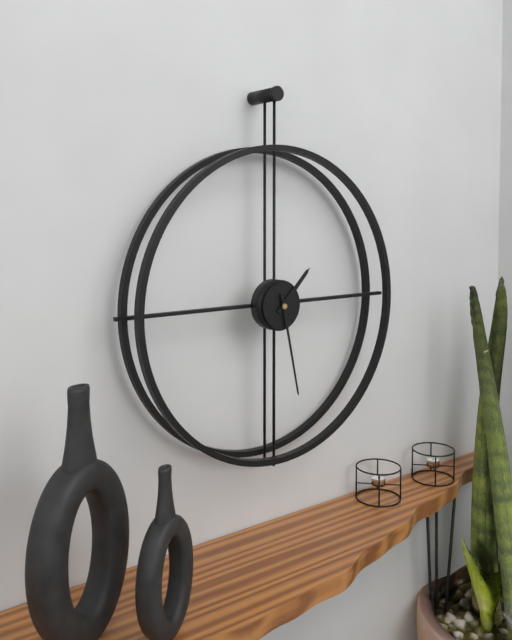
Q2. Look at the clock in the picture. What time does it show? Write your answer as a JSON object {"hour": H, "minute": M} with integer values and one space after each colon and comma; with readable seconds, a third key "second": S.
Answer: {"hour": 1, "minute": 28}
